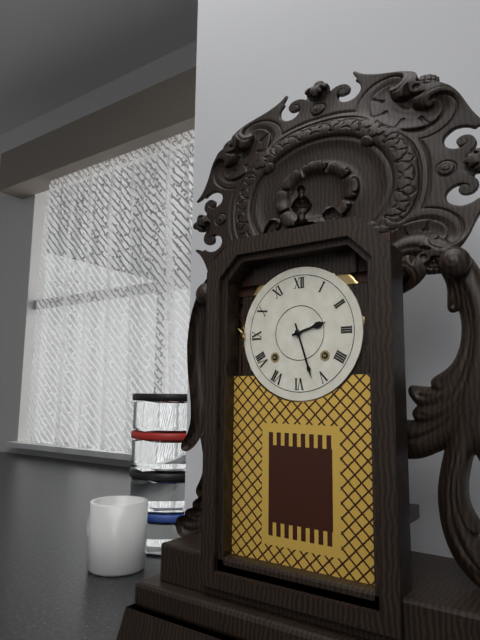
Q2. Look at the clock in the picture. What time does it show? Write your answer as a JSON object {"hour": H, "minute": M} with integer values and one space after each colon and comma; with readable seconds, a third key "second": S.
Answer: {"hour": 2, "minute": 27}
